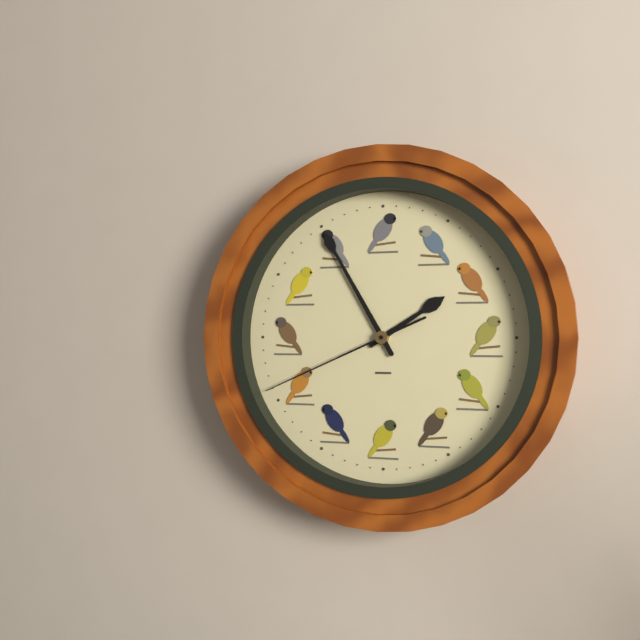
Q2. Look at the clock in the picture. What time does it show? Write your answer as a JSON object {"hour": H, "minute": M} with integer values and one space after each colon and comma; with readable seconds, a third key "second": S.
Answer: {"hour": 1, "minute": 55, "second": 41}
